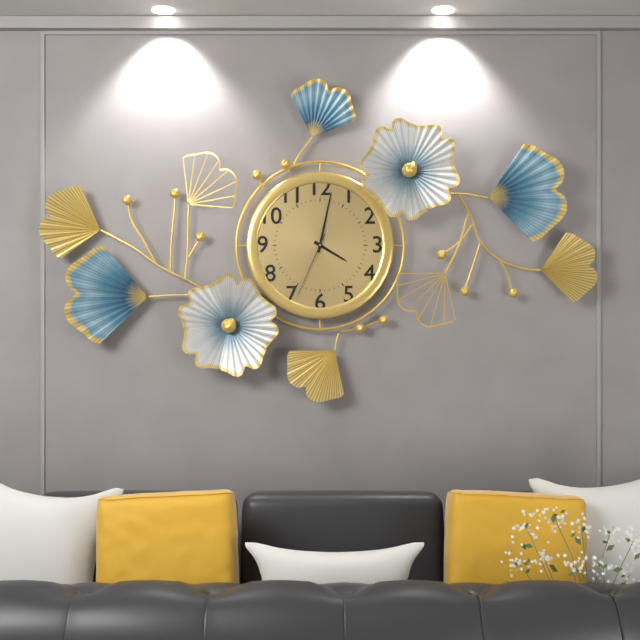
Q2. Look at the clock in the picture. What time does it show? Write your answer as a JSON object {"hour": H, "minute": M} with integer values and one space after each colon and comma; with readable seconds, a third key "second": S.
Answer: {"hour": 4, "minute": 2, "second": 34}
